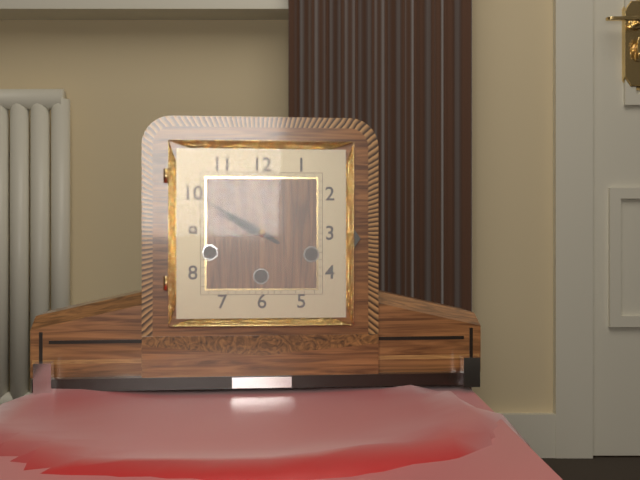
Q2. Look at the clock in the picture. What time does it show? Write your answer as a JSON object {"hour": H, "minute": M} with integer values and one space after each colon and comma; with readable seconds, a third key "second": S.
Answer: {"hour": 9, "minute": 50}
